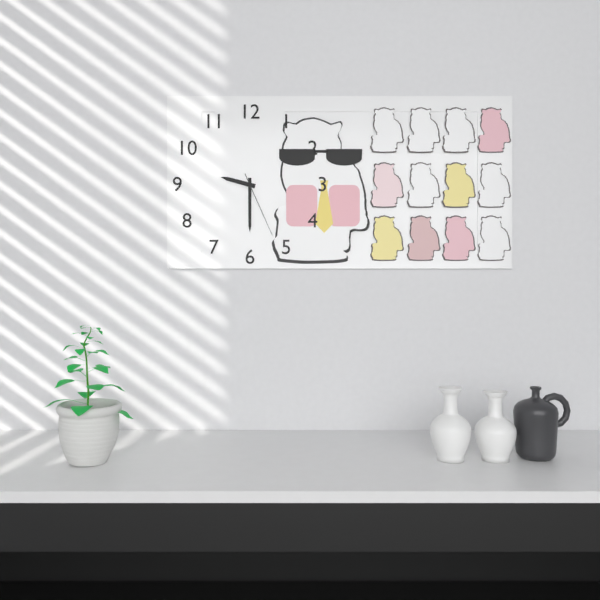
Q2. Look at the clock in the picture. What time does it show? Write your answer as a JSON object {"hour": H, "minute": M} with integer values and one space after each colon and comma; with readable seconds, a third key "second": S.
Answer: {"hour": 9, "minute": 30, "second": 26}
